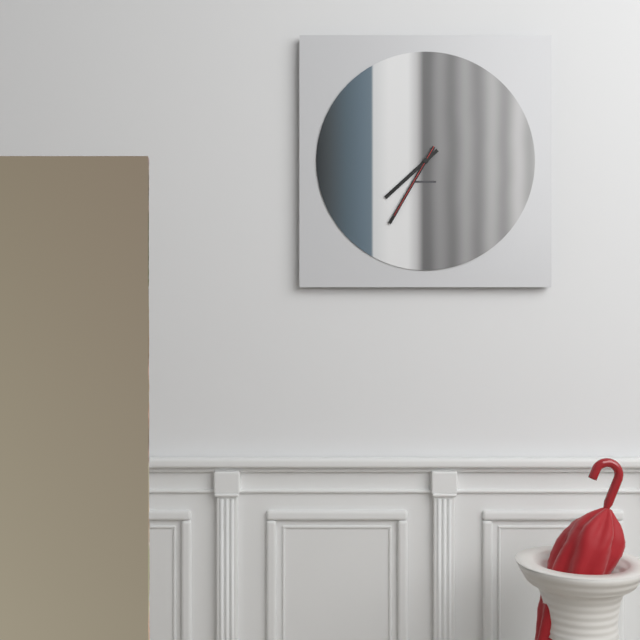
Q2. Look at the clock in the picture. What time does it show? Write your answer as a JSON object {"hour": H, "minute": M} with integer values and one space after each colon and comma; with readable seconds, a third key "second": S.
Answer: {"hour": 7, "minute": 35, "second": 35}
